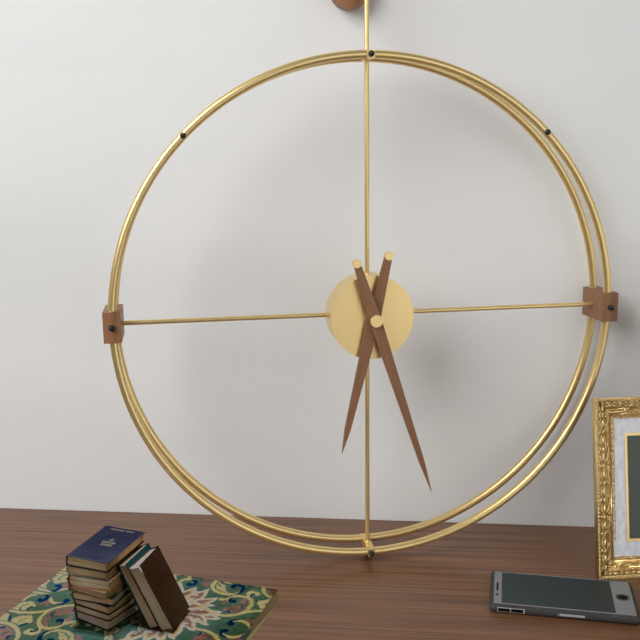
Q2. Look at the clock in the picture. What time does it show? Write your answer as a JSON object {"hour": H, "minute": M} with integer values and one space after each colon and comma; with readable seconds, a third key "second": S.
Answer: {"hour": 6, "minute": 27}
